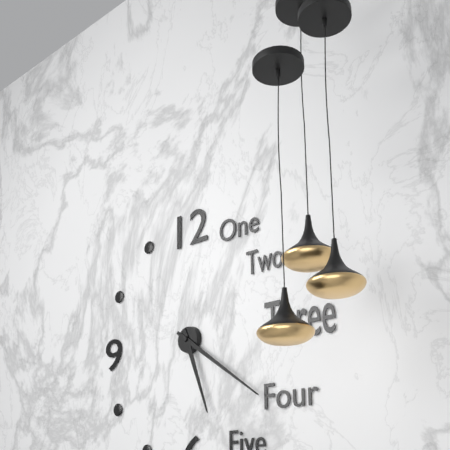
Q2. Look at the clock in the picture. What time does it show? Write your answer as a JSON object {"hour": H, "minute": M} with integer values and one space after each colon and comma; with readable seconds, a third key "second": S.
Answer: {"hour": 5, "minute": 21}
